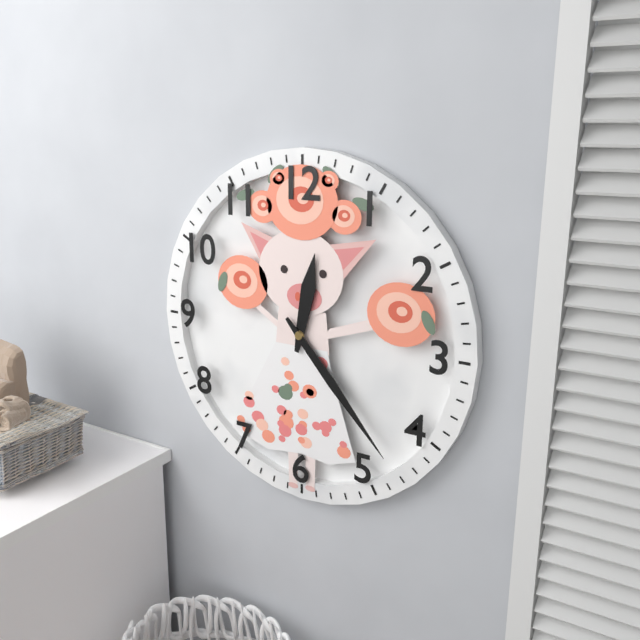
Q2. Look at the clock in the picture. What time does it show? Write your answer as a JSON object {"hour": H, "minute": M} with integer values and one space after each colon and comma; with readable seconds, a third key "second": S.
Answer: {"hour": 12, "minute": 23}
